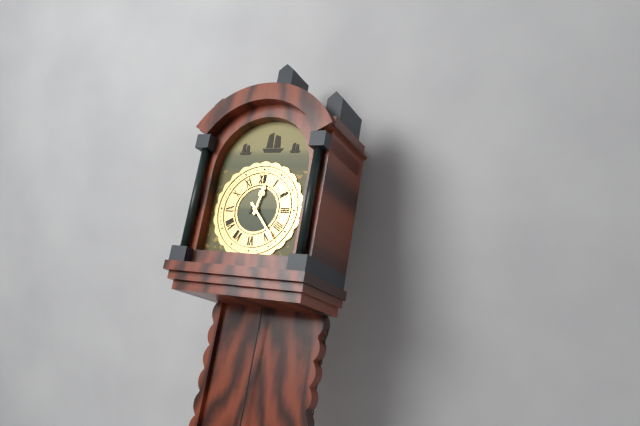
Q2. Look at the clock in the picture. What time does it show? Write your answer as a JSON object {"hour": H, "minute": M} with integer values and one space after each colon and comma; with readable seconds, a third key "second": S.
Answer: {"hour": 12, "minute": 23}
